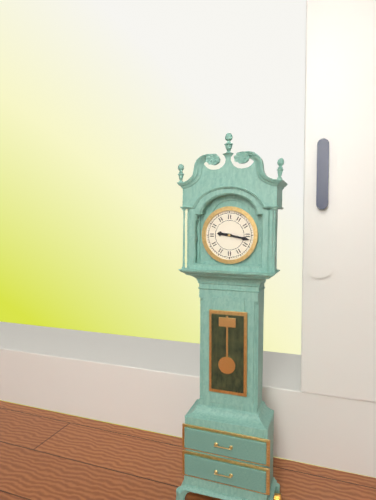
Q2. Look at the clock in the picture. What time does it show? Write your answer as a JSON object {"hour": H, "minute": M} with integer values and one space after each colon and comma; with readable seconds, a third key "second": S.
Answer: {"hour": 9, "minute": 17}
